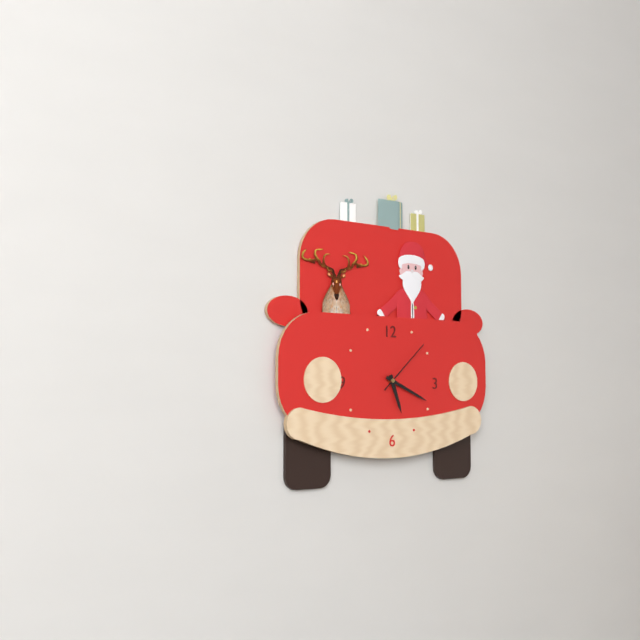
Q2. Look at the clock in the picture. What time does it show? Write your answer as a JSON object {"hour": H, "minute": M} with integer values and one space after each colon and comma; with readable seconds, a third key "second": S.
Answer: {"hour": 5, "minute": 19, "second": 8}
